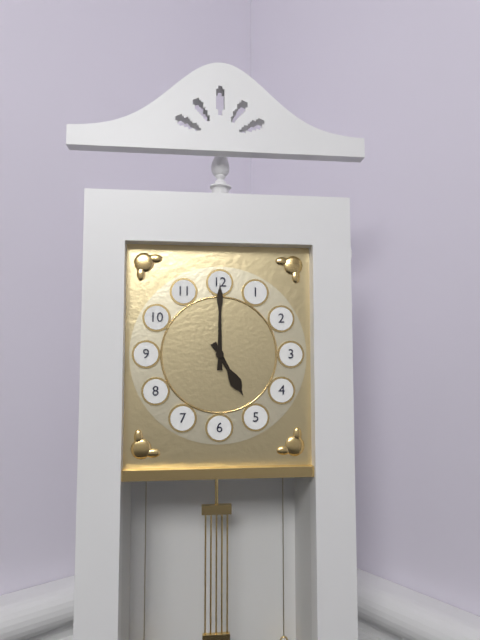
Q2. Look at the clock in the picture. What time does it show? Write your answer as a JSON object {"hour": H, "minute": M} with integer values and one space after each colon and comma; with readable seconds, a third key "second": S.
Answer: {"hour": 5, "minute": 0}
